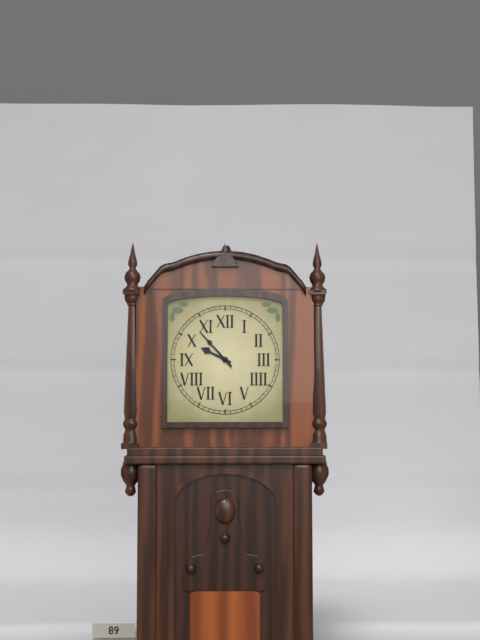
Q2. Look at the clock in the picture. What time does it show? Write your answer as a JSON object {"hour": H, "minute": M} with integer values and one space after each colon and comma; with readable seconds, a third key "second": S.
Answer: {"hour": 9, "minute": 53}
